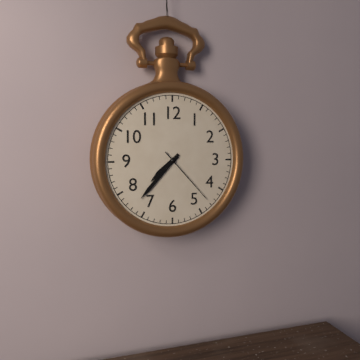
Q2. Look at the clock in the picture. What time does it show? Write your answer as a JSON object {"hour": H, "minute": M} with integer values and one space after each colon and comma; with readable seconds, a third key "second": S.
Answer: {"hour": 7, "minute": 37, "second": 23}
